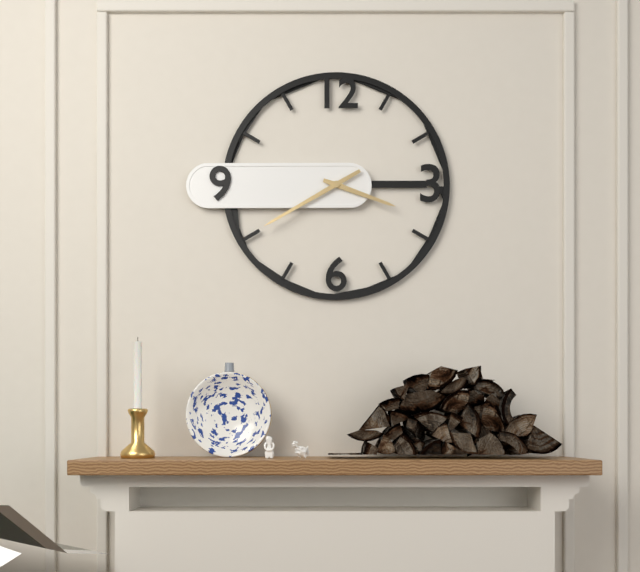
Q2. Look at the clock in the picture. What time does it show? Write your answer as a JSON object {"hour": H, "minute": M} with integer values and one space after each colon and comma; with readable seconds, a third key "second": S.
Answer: {"hour": 3, "minute": 40}
